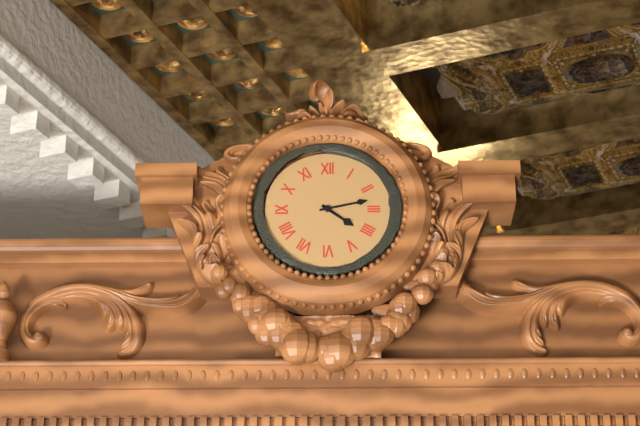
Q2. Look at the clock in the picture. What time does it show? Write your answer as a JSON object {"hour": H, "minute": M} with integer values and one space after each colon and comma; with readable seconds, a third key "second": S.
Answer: {"hour": 4, "minute": 13}
